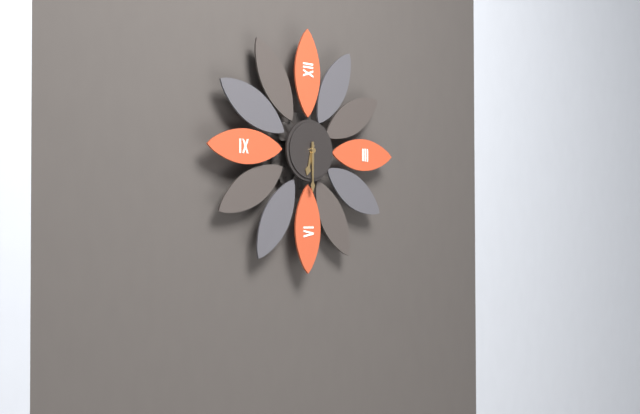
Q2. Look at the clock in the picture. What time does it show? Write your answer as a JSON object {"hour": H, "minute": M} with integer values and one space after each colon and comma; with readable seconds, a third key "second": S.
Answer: {"hour": 6, "minute": 30}
